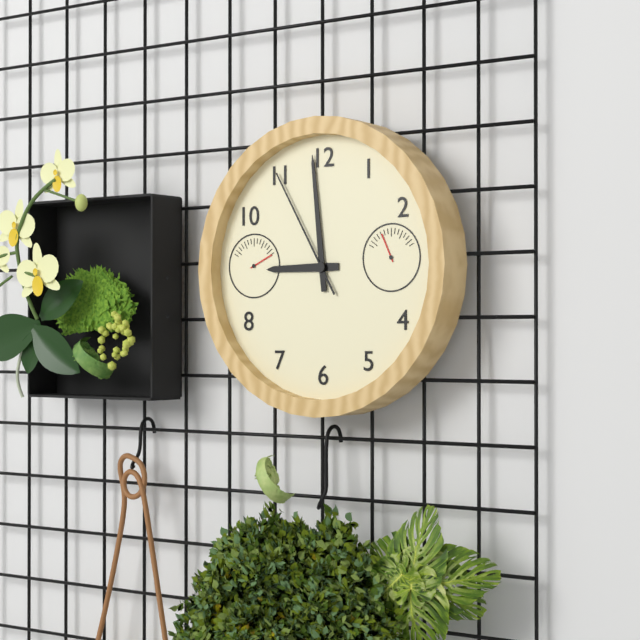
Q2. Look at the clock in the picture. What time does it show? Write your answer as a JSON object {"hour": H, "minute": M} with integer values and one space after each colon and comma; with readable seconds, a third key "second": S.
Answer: {"hour": 8, "minute": 59, "second": 55}
